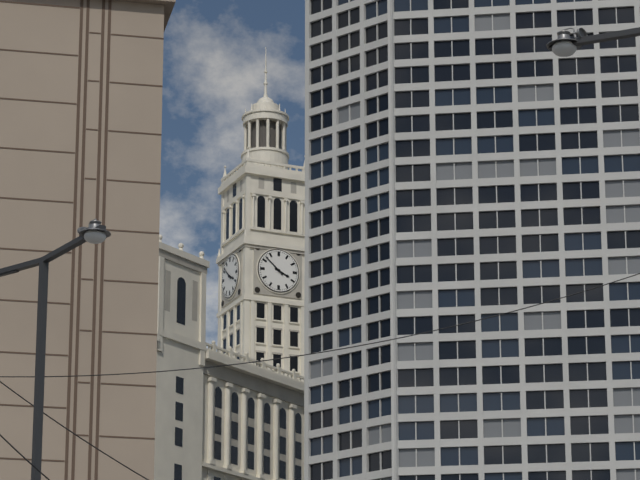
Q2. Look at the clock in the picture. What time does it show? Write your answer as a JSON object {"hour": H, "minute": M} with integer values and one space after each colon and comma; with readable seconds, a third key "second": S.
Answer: {"hour": 3, "minute": 52}
